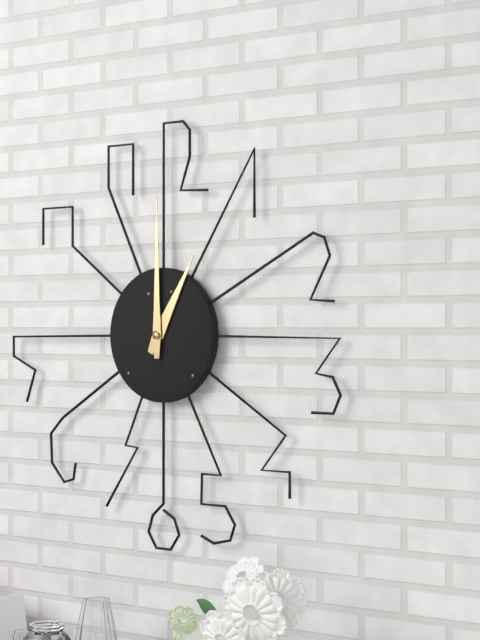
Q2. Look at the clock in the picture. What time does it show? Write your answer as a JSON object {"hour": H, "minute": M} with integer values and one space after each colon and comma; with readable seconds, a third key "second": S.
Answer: {"hour": 1, "minute": 0}
